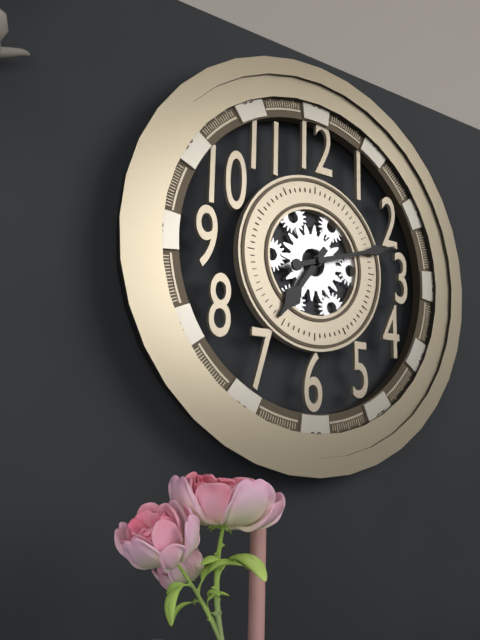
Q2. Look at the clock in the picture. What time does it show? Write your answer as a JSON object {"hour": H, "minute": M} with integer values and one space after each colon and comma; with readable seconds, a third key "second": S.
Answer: {"hour": 7, "minute": 12}
